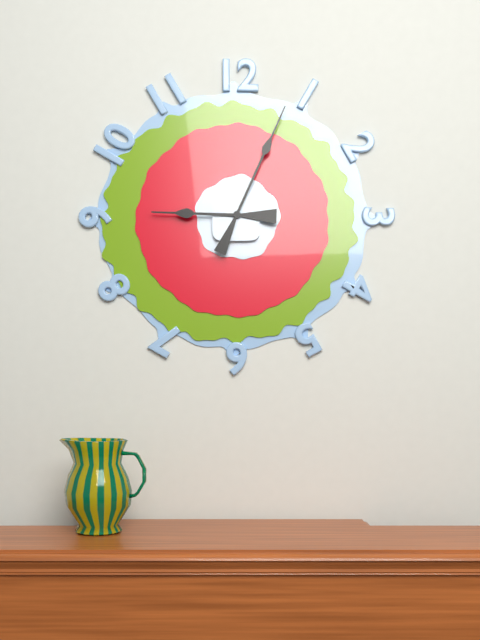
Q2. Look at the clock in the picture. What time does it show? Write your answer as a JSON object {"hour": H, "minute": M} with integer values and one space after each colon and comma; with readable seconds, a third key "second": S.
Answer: {"hour": 9, "minute": 4}
